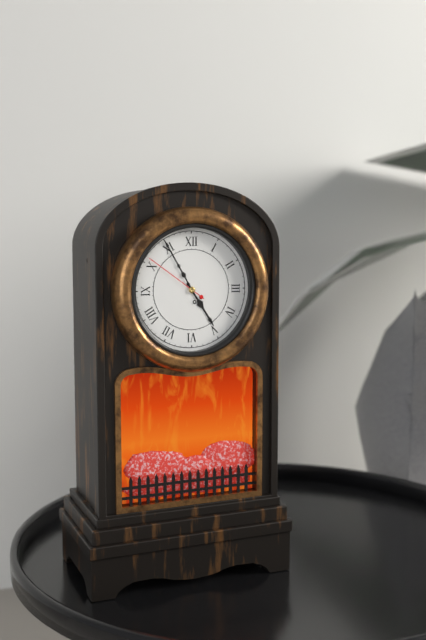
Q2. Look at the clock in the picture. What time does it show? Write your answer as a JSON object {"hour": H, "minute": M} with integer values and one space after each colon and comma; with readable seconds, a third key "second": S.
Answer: {"hour": 4, "minute": 55, "second": 51}
